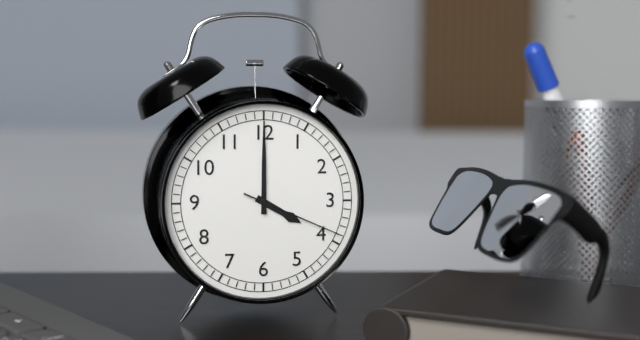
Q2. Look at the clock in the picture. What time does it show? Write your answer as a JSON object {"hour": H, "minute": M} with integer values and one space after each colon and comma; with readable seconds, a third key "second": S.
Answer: {"hour": 4, "minute": 0, "second": 19}
